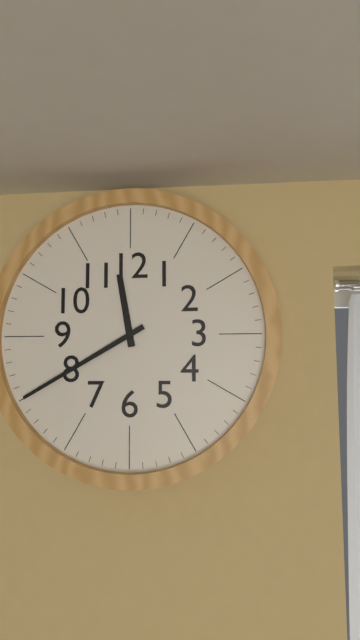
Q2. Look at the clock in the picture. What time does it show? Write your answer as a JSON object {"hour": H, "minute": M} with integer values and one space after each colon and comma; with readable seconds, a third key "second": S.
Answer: {"hour": 11, "minute": 40}
